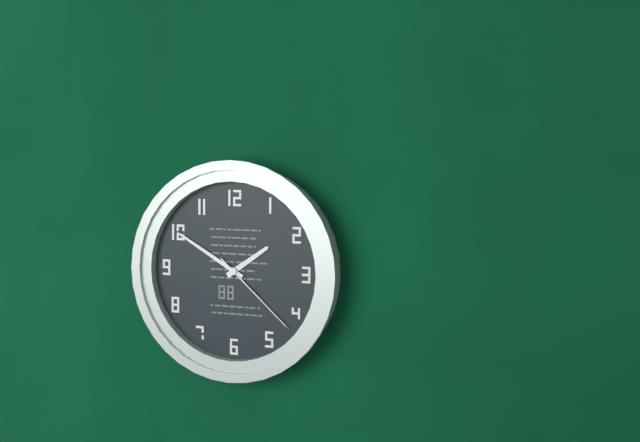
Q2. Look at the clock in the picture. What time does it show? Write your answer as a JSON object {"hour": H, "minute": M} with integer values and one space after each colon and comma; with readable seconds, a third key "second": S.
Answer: {"hour": 1, "minute": 50, "second": 22}
